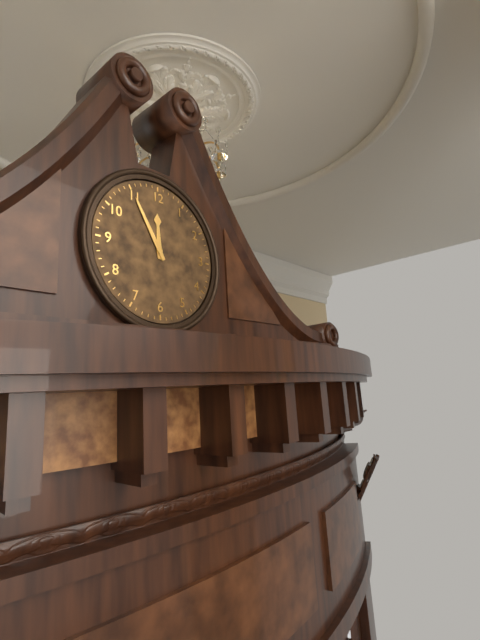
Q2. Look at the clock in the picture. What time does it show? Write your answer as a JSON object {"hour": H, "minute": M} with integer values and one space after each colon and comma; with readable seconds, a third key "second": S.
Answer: {"hour": 11, "minute": 55}
